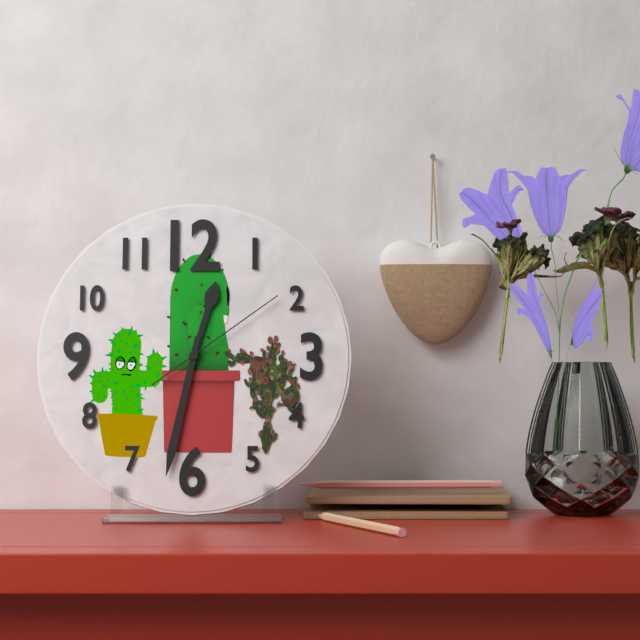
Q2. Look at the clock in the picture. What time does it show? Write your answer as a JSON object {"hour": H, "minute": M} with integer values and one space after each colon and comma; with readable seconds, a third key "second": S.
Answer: {"hour": 12, "minute": 32, "second": 9}
